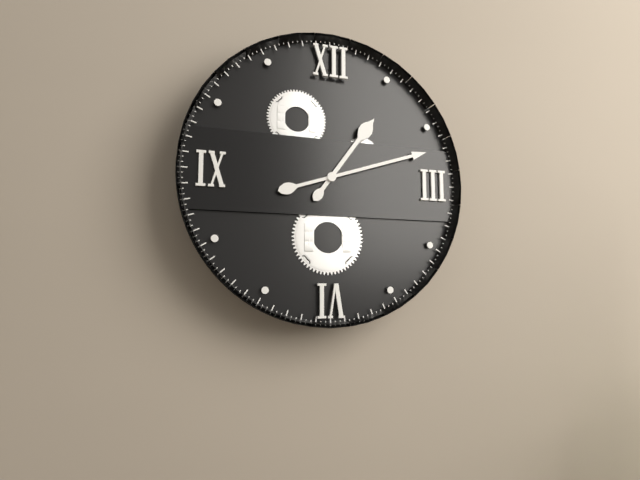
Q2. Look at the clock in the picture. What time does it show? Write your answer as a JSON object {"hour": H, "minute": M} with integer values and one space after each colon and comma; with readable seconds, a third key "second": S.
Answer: {"hour": 1, "minute": 12}
